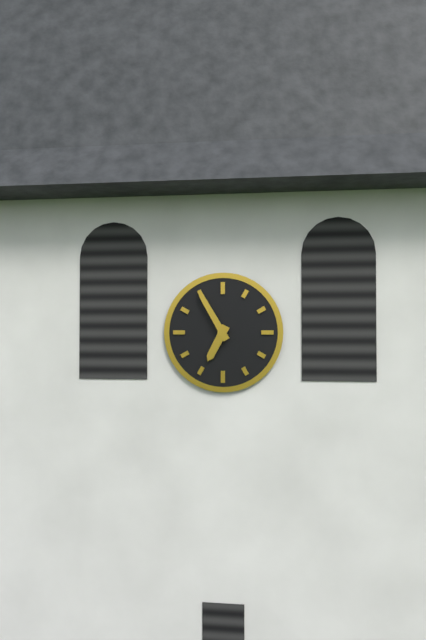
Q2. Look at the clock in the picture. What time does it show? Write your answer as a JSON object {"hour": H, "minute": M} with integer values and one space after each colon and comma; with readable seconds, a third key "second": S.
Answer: {"hour": 6, "minute": 55}
